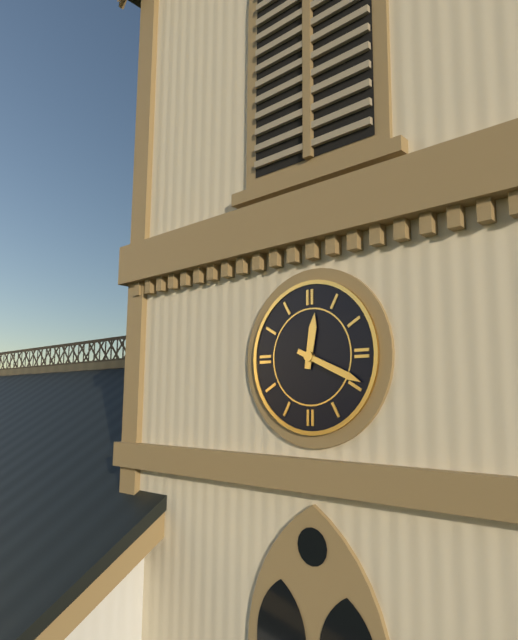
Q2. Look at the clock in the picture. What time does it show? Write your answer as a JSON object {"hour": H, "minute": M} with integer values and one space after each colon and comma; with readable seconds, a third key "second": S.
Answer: {"hour": 12, "minute": 19}
